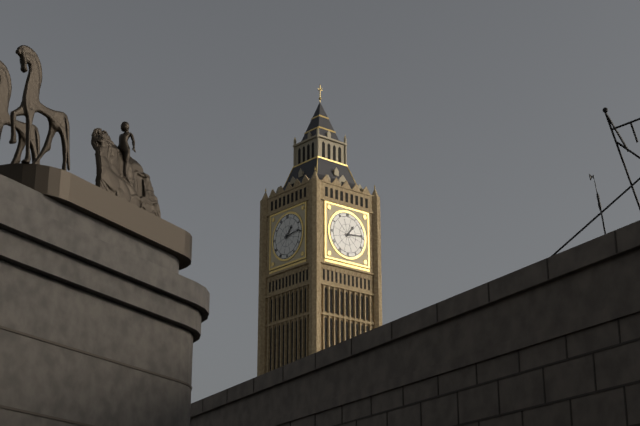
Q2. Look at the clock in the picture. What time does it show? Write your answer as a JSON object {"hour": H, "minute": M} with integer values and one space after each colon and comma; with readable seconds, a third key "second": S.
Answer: {"hour": 1, "minute": 14}
